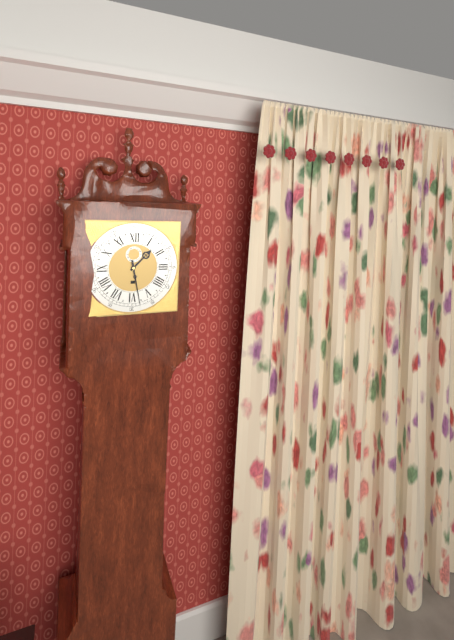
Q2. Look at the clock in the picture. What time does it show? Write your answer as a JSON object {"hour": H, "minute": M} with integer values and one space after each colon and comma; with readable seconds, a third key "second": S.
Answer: {"hour": 1, "minute": 28}
